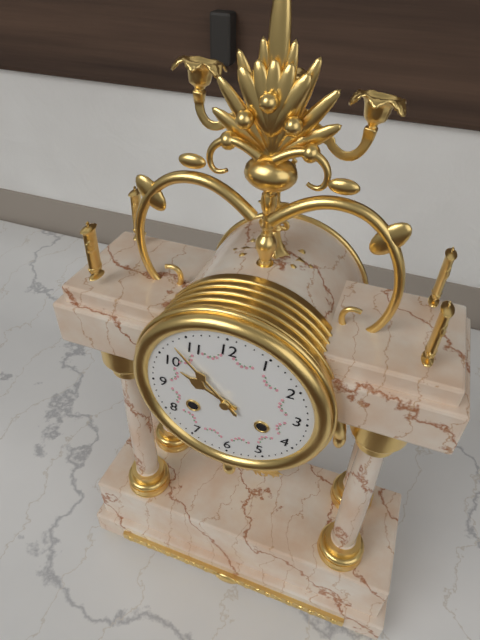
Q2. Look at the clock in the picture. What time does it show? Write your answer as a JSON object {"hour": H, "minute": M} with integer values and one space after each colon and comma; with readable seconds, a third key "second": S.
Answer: {"hour": 9, "minute": 53}
